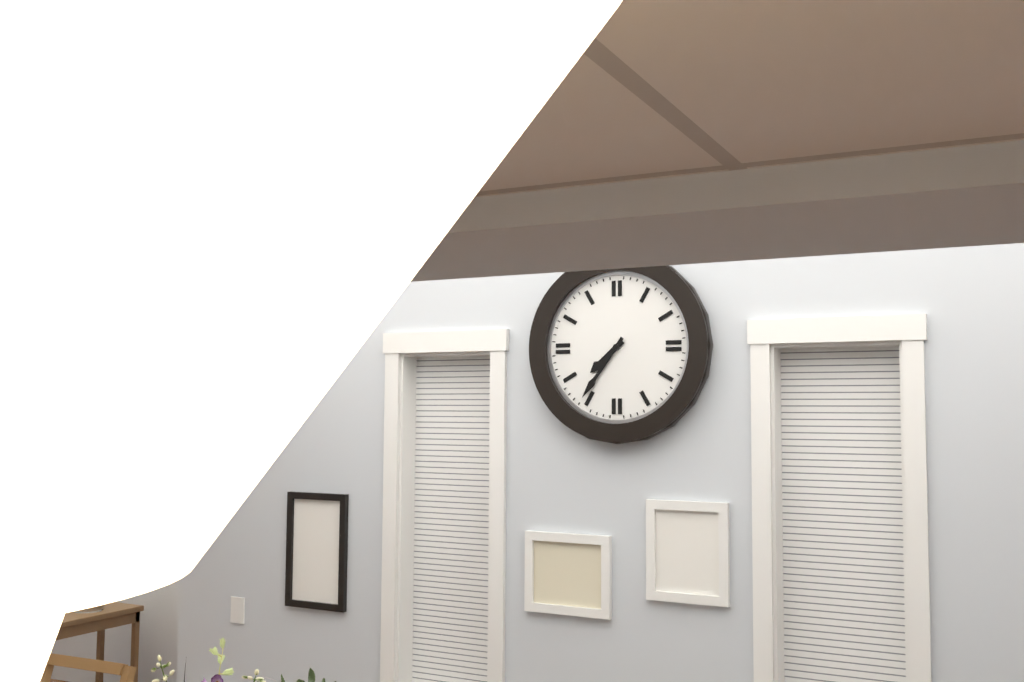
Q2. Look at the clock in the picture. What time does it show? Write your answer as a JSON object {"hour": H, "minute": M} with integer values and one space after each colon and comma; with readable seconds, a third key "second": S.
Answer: {"hour": 7, "minute": 36}
